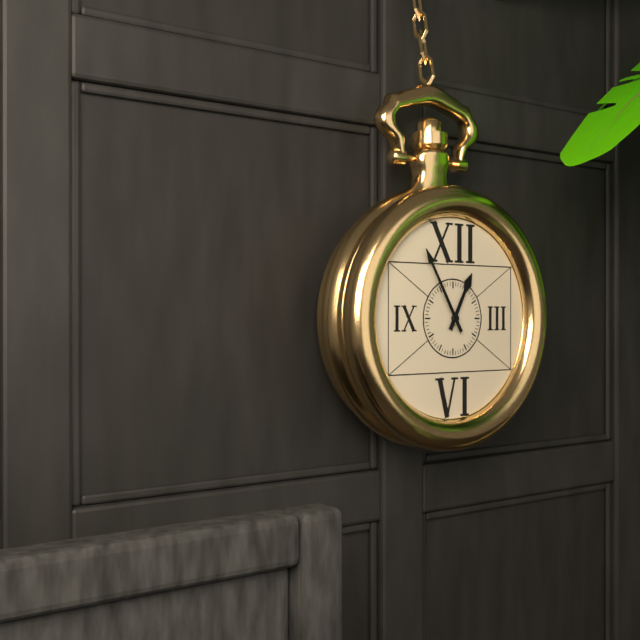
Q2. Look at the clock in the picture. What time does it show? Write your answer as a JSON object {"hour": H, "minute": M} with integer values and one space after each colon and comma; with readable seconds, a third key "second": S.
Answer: {"hour": 12, "minute": 55}
